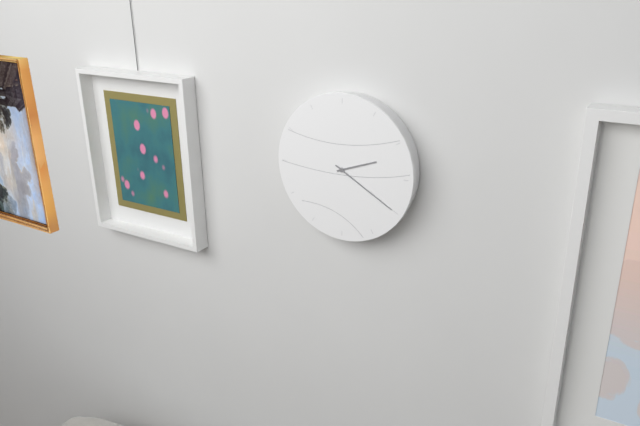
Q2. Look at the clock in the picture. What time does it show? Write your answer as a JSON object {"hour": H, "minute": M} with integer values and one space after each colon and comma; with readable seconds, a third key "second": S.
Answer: {"hour": 2, "minute": 20}
